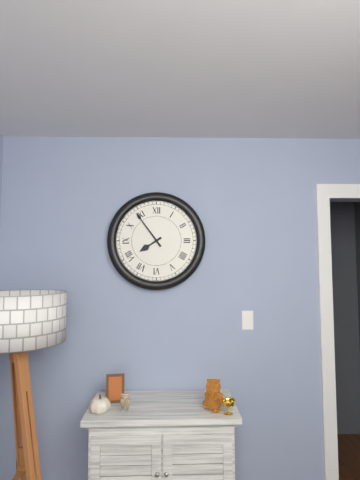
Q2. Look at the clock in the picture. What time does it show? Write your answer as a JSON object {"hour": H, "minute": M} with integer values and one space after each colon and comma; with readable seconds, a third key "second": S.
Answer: {"hour": 7, "minute": 54}
